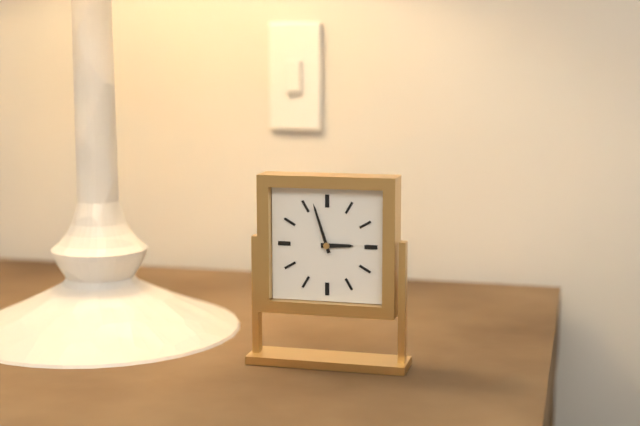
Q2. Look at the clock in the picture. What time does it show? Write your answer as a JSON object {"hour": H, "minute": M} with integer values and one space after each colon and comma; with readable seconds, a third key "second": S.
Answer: {"hour": 2, "minute": 57}
